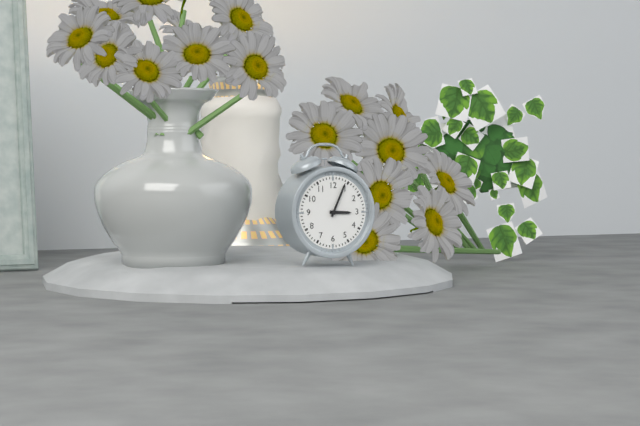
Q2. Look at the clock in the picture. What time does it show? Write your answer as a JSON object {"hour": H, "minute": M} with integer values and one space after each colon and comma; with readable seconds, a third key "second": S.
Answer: {"hour": 3, "minute": 4}
